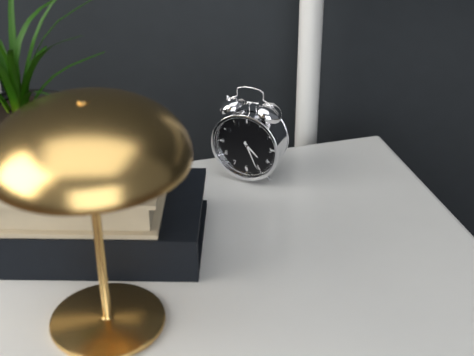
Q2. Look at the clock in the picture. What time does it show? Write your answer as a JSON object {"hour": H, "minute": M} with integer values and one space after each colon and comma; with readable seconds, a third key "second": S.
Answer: {"hour": 4, "minute": 26}
